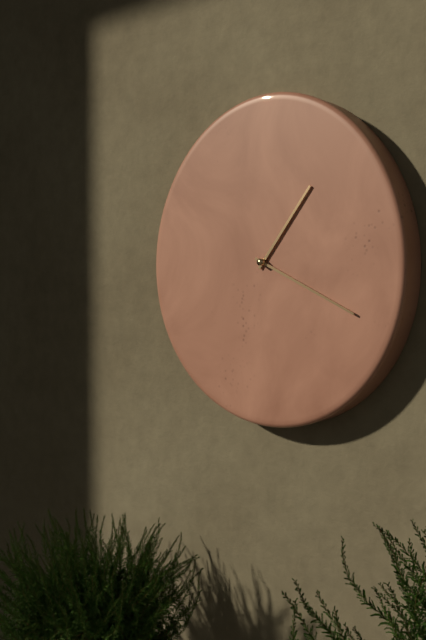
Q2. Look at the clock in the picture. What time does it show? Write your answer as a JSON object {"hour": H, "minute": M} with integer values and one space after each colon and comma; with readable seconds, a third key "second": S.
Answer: {"hour": 1, "minute": 19}
